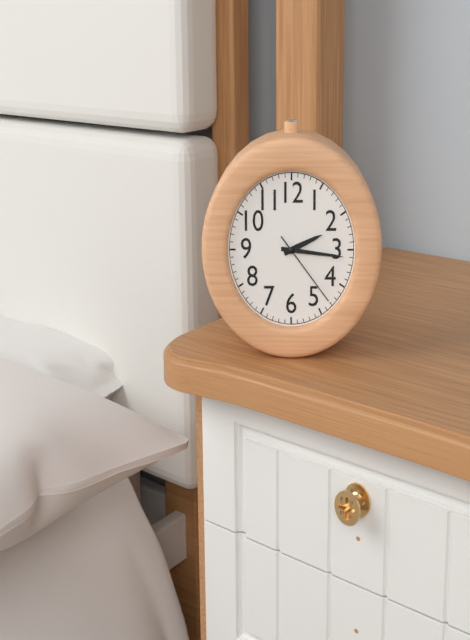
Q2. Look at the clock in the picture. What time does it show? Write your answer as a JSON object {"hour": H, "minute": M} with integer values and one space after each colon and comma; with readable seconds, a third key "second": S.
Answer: {"hour": 2, "minute": 16, "second": 23}
